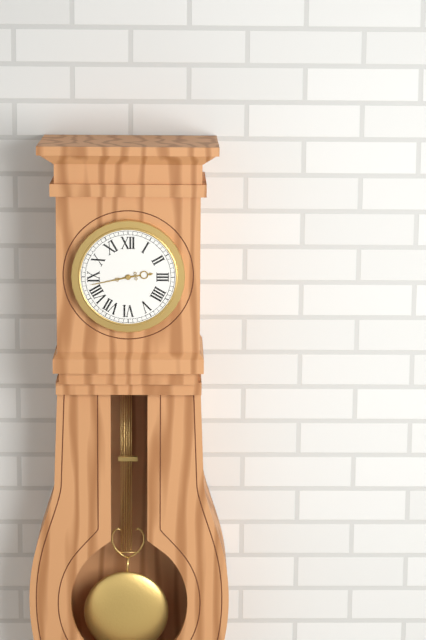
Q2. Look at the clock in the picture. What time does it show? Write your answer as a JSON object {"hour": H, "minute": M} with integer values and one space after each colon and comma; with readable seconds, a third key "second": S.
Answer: {"hour": 2, "minute": 43}
